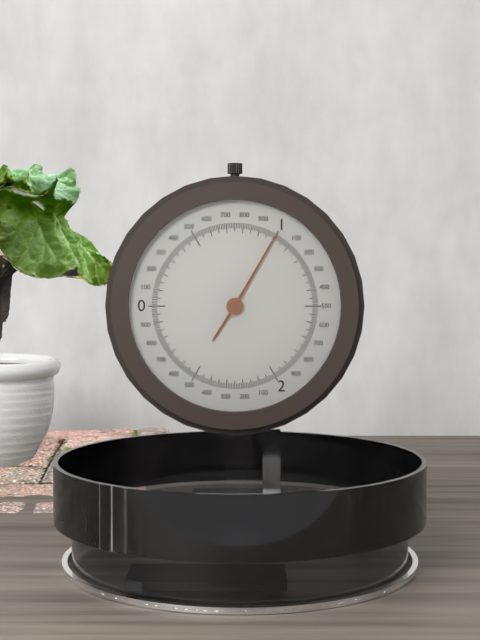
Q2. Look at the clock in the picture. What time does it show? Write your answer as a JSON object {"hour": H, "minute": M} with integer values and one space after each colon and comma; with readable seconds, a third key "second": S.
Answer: {"hour": 7, "minute": 5}
